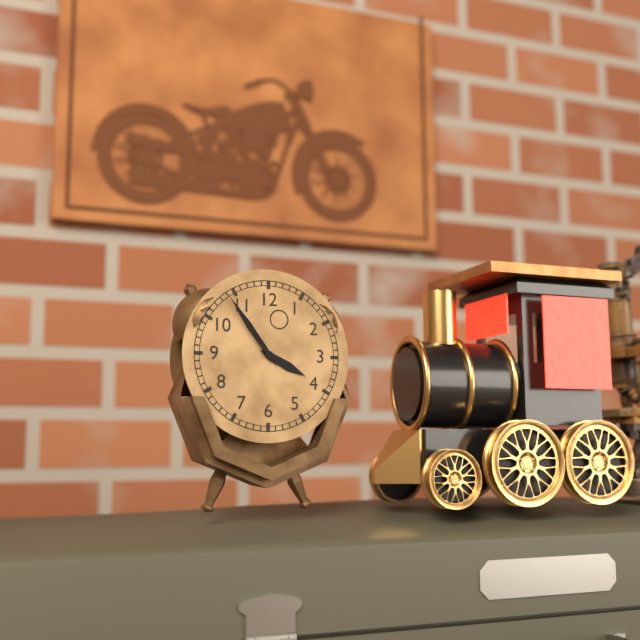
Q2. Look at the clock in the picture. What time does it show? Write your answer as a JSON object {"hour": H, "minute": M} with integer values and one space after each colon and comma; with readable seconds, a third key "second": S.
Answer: {"hour": 3, "minute": 54}
